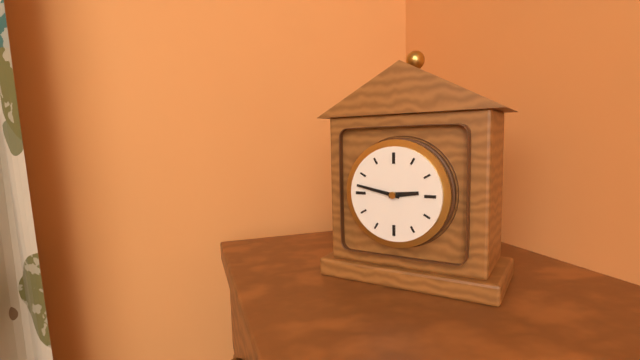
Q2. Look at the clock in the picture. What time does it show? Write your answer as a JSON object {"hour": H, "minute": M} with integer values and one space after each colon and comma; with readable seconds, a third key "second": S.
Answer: {"hour": 2, "minute": 47}
